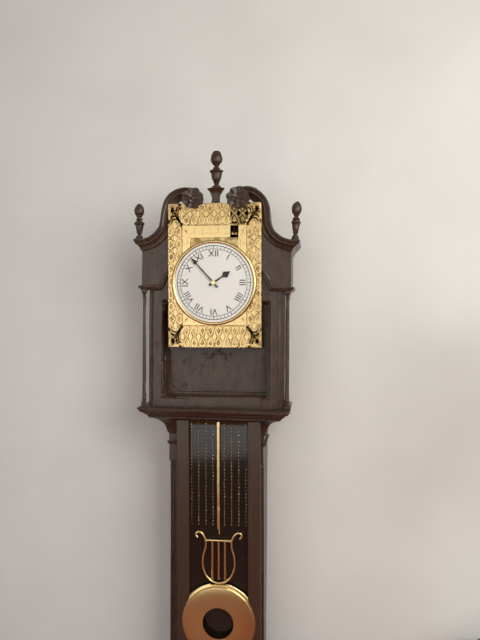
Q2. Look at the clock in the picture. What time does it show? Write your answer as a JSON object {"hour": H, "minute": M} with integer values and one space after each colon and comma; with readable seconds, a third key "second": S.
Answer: {"hour": 1, "minute": 53}
